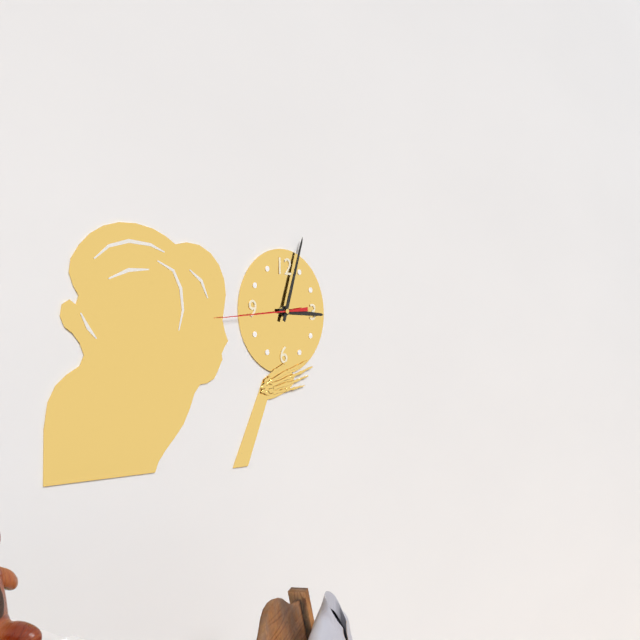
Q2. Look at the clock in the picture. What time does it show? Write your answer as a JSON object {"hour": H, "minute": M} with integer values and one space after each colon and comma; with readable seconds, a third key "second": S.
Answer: {"hour": 3, "minute": 3, "second": 44}
